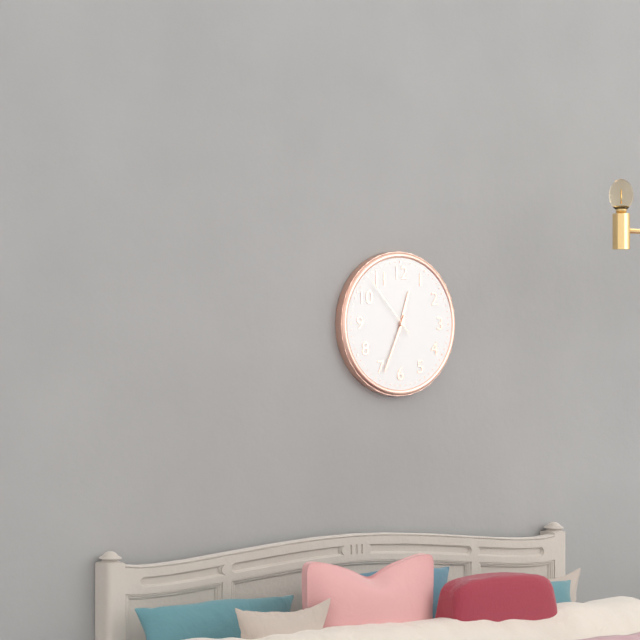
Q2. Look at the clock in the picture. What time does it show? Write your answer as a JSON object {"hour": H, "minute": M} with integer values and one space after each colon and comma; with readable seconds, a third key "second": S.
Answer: {"hour": 12, "minute": 34, "second": 53}
